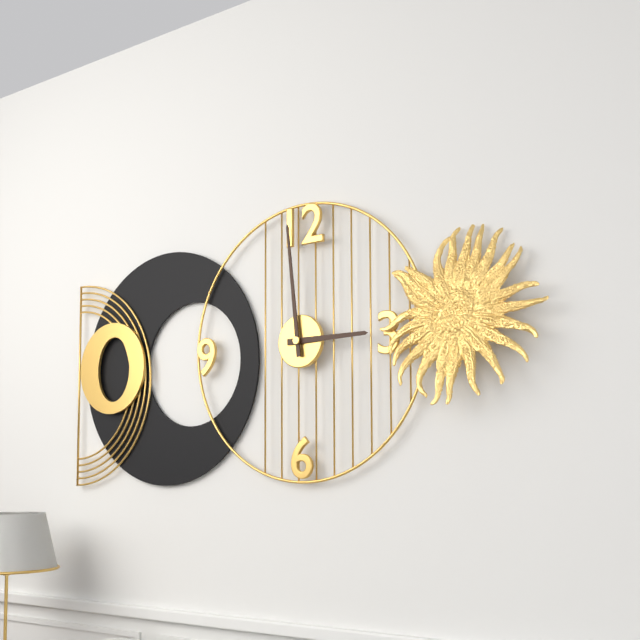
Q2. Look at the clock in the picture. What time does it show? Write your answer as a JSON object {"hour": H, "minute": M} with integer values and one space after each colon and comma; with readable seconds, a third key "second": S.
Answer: {"hour": 2, "minute": 59}
